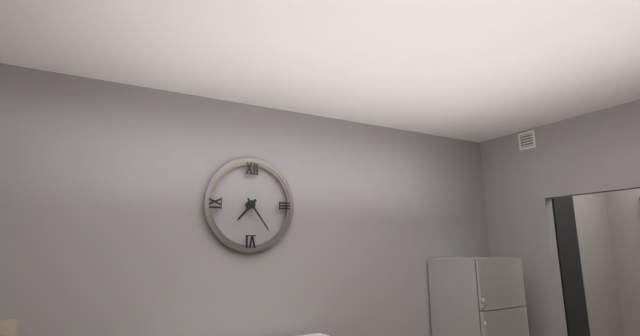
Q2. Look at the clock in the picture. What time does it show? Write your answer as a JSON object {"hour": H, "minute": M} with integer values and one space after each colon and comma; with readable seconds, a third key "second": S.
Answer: {"hour": 7, "minute": 24}
